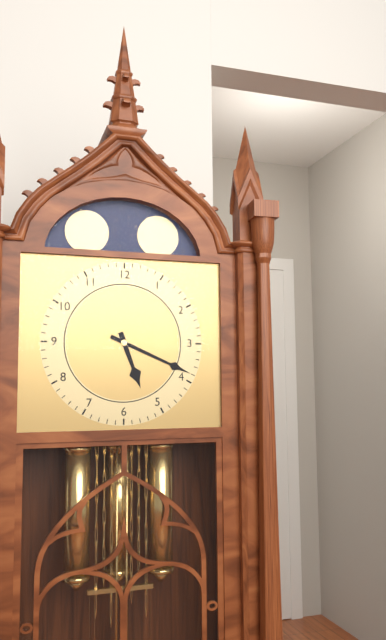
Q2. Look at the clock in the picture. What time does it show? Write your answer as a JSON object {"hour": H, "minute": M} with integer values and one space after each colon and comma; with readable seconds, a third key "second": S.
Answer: {"hour": 5, "minute": 19}
